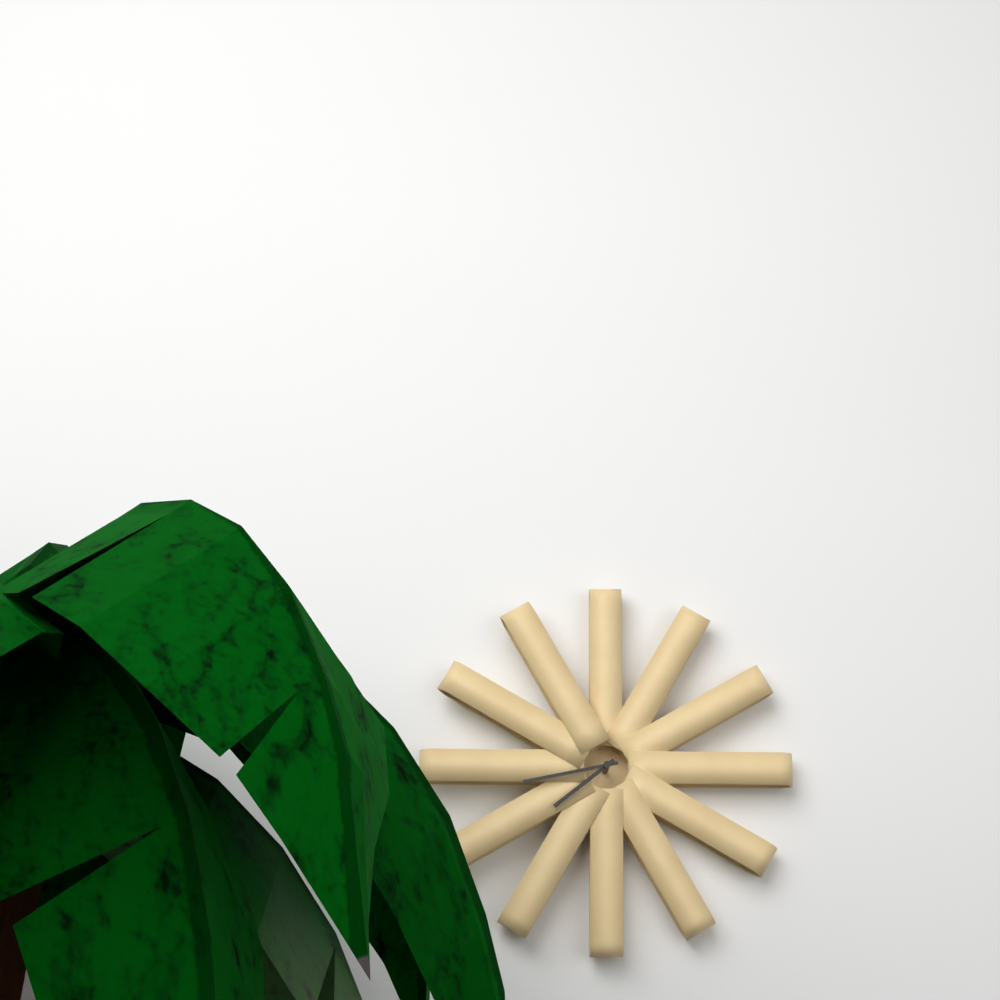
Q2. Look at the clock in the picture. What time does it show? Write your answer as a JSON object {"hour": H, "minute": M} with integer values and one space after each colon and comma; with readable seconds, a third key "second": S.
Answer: {"hour": 7, "minute": 43}
